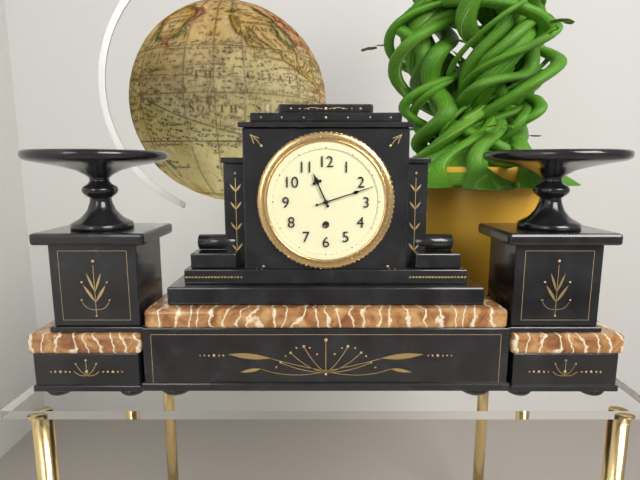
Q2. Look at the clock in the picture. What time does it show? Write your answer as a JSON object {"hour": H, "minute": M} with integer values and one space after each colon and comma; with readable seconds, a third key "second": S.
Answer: {"hour": 11, "minute": 12}
